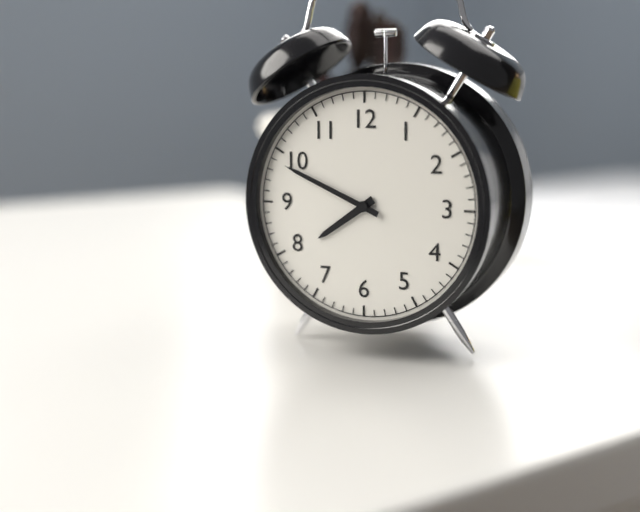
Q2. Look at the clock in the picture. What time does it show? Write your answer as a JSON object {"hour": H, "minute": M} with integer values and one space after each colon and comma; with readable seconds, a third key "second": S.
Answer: {"hour": 7, "minute": 49}
